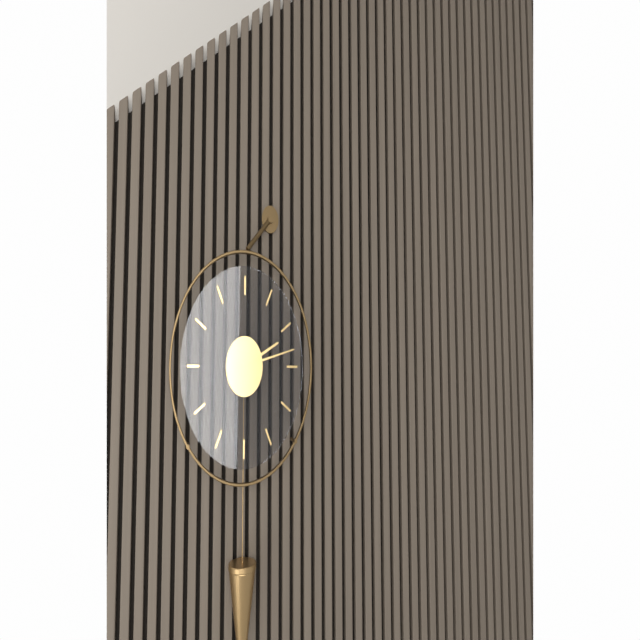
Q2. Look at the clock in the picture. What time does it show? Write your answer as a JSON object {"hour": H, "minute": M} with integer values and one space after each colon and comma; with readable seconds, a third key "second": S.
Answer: {"hour": 2, "minute": 13}
